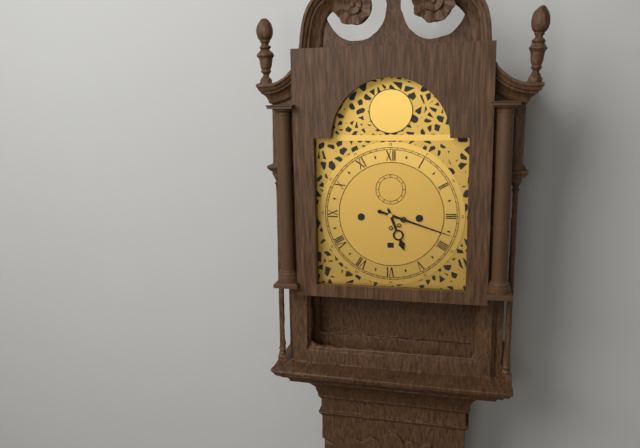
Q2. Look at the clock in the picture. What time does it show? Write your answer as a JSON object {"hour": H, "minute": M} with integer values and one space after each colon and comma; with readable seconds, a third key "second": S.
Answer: {"hour": 5, "minute": 18}
